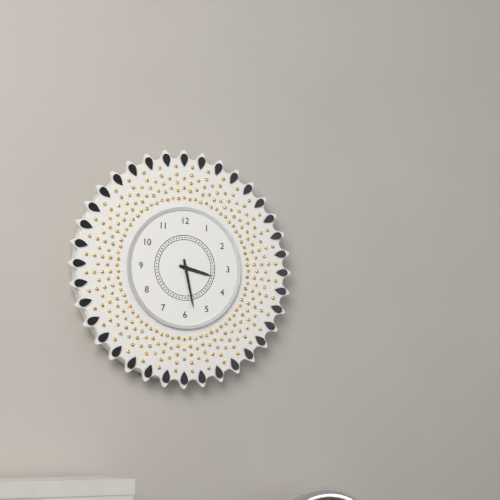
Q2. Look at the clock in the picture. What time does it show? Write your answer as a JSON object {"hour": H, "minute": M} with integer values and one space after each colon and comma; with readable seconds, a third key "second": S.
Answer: {"hour": 3, "minute": 28}
